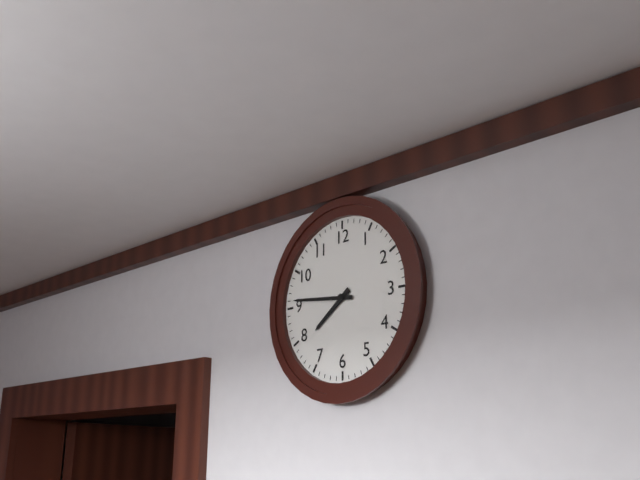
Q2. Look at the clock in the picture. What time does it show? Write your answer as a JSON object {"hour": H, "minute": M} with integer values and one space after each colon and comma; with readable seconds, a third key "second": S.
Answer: {"hour": 7, "minute": 46}
